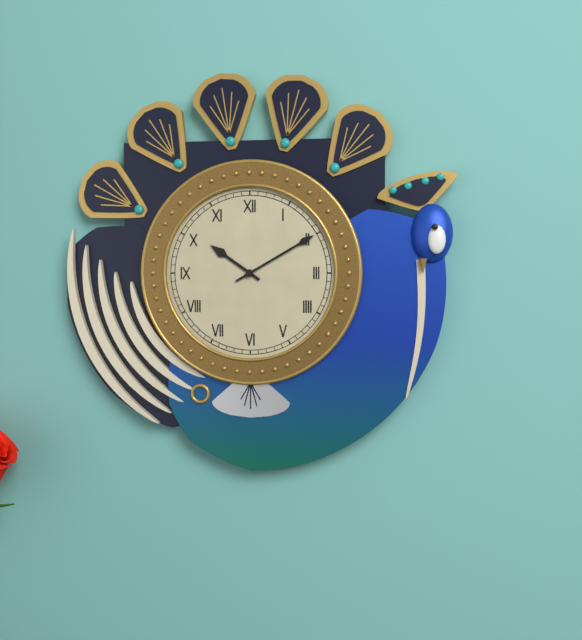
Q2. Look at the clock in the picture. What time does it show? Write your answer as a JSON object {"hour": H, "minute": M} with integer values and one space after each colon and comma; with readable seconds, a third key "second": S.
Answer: {"hour": 10, "minute": 10}
